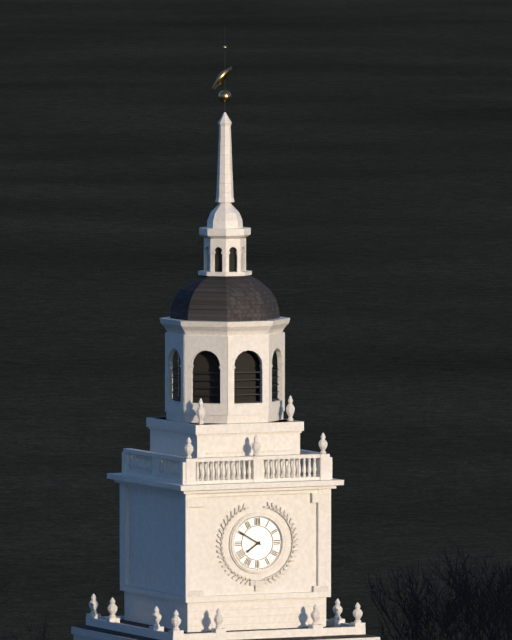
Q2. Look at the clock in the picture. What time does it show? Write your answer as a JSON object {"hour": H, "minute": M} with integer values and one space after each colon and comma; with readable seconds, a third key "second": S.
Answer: {"hour": 7, "minute": 50}
